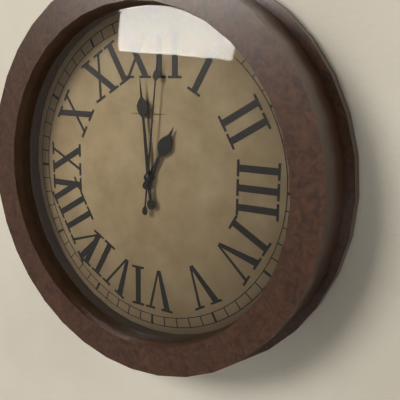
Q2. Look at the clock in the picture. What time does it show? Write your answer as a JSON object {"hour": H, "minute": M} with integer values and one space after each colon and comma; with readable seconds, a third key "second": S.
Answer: {"hour": 12, "minute": 59, "second": 1}
